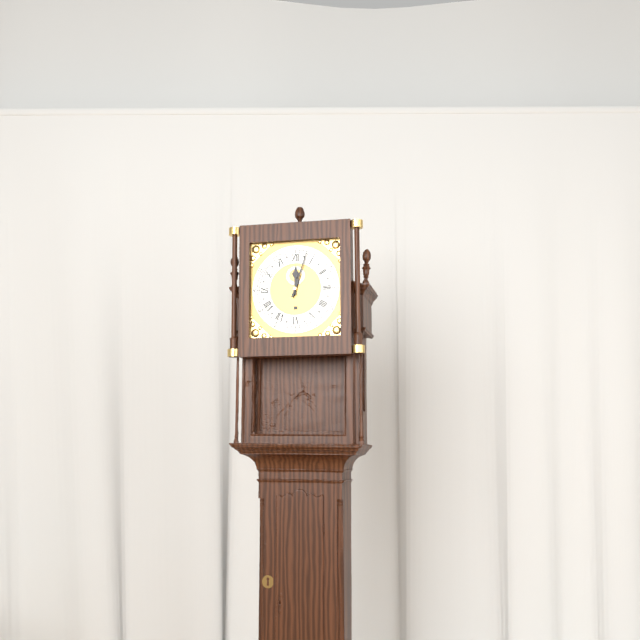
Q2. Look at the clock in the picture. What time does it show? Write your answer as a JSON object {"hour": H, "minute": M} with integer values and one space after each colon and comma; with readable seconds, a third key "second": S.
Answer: {"hour": 12, "minute": 3}
